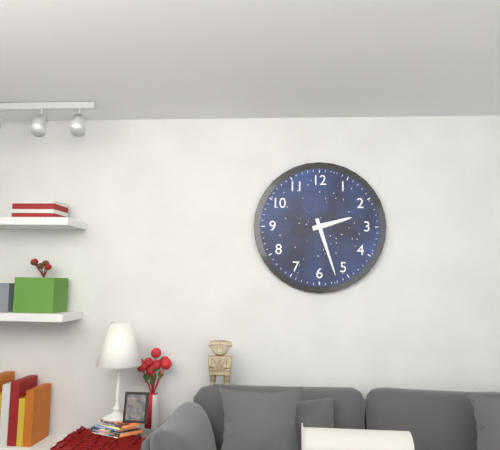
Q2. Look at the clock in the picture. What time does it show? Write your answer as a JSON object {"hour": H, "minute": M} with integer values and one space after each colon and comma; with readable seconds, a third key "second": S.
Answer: {"hour": 2, "minute": 27}
